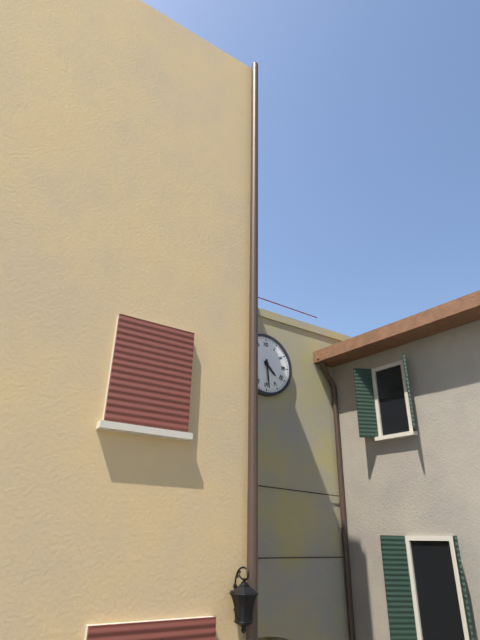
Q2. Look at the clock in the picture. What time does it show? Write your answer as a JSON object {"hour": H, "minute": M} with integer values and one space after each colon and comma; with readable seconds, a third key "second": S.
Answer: {"hour": 4, "minute": 29}
